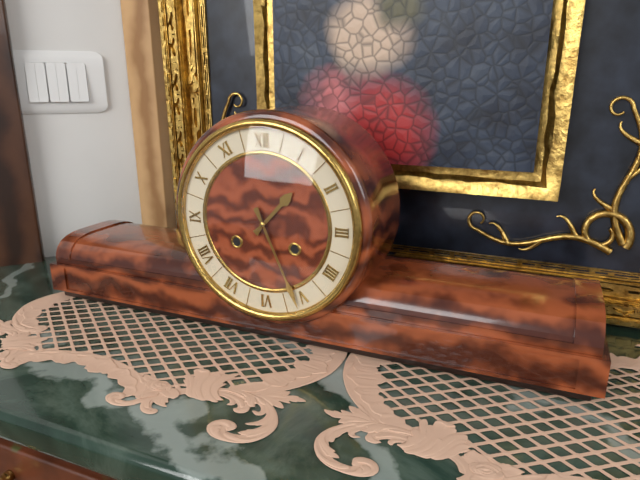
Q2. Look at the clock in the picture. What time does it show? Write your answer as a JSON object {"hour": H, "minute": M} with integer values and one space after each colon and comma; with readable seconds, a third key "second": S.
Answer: {"hour": 1, "minute": 26}
